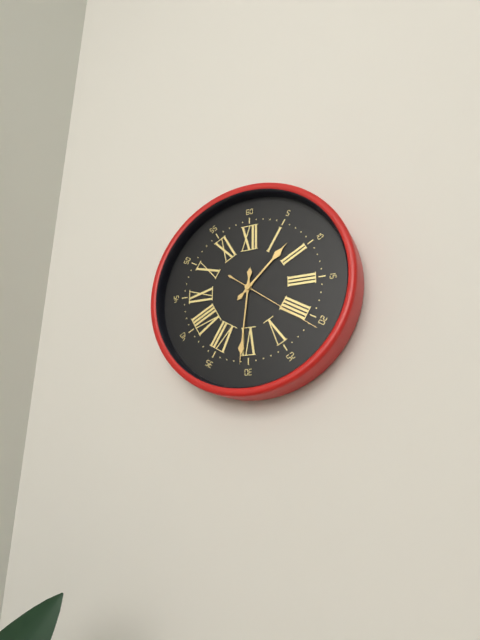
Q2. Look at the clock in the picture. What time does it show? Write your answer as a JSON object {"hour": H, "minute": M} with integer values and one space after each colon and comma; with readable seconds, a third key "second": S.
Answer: {"hour": 1, "minute": 31, "second": 21}
